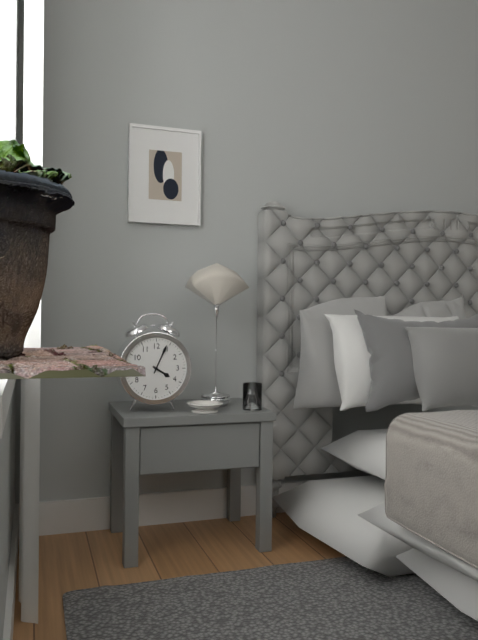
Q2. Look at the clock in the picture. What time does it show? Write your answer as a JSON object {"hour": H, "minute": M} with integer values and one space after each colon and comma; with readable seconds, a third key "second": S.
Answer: {"hour": 4, "minute": 4}
